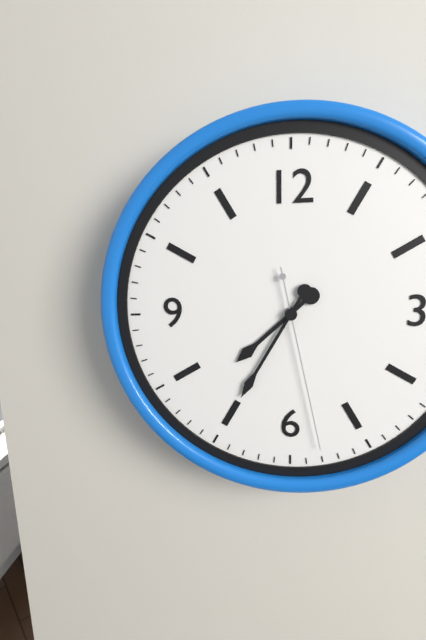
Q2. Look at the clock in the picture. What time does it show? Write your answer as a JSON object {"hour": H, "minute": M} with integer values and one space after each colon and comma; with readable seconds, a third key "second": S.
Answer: {"hour": 7, "minute": 35, "second": 28}
